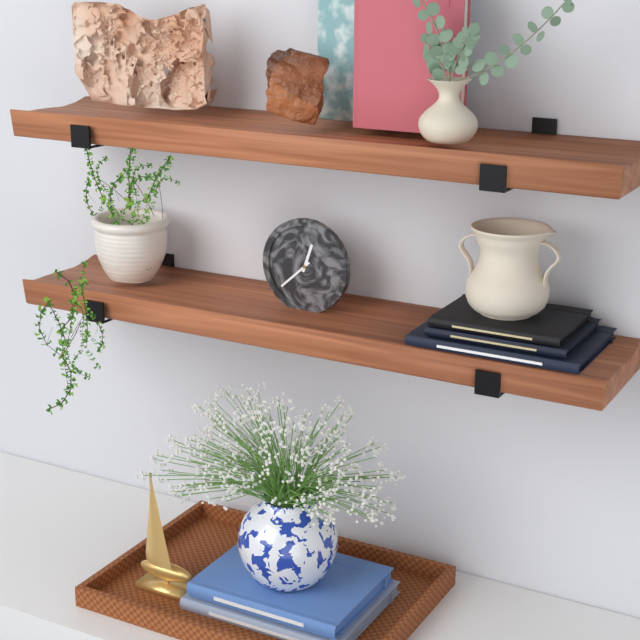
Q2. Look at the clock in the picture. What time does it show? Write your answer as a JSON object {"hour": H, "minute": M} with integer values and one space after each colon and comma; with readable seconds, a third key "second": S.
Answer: {"hour": 12, "minute": 38}
